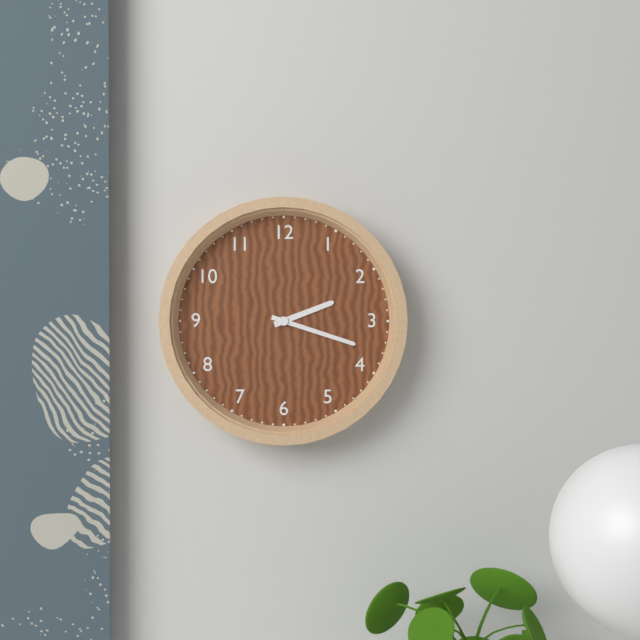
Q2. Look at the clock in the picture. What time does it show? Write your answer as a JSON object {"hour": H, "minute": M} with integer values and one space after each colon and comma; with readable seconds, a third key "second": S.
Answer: {"hour": 2, "minute": 18}
